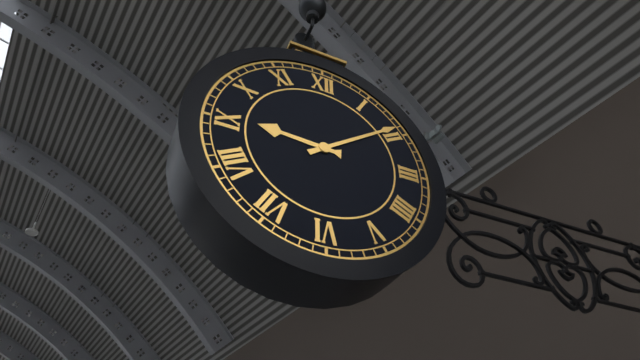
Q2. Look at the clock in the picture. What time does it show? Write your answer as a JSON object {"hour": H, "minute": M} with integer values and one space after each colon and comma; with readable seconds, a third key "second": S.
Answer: {"hour": 9, "minute": 9}
